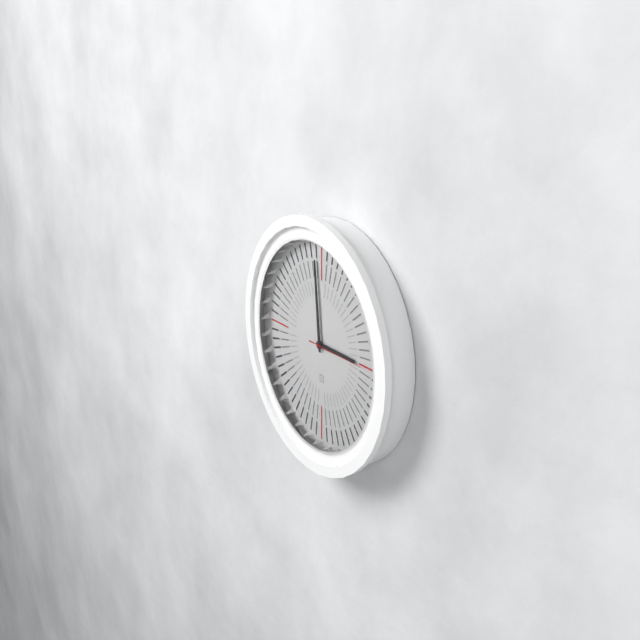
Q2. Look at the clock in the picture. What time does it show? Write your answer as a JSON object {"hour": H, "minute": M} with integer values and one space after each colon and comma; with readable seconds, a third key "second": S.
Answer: {"hour": 2, "minute": 59, "second": 15}
